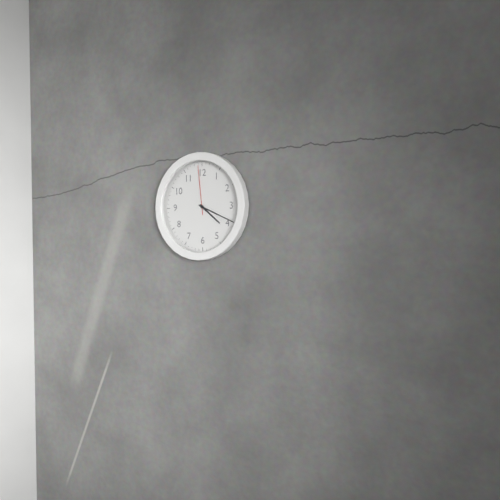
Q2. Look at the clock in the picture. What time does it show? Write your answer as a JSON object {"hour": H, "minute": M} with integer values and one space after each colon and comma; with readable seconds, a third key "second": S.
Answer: {"hour": 4, "minute": 19, "second": 59}
